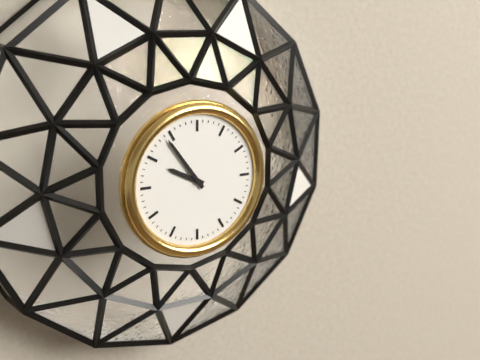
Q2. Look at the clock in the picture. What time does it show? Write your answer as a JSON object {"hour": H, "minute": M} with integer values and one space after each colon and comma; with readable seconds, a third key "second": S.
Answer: {"hour": 9, "minute": 54}
